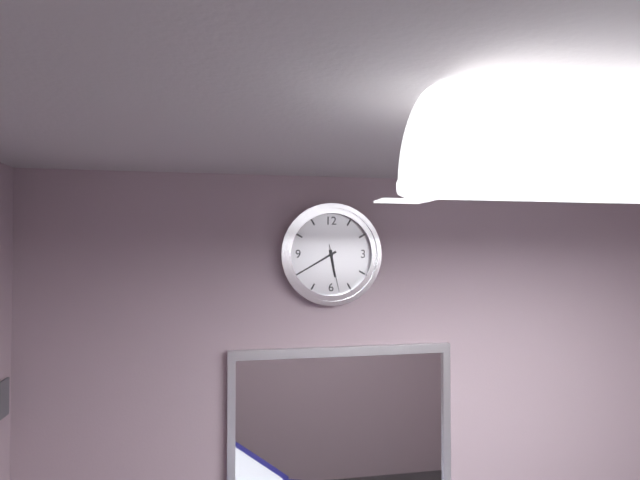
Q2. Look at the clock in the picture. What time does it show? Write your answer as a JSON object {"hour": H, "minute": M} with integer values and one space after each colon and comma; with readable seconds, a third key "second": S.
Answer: {"hour": 5, "minute": 40}
